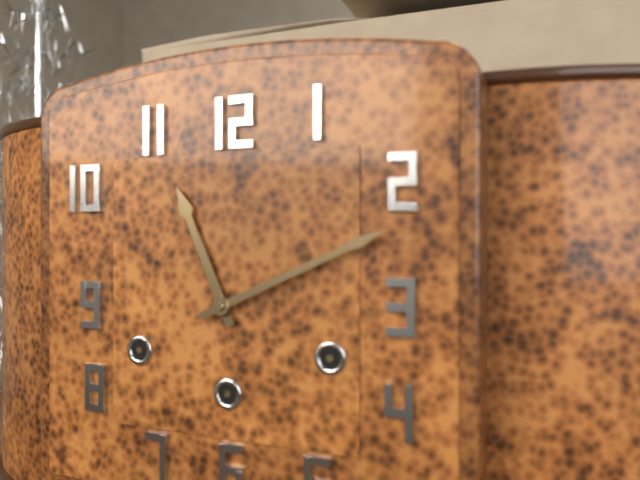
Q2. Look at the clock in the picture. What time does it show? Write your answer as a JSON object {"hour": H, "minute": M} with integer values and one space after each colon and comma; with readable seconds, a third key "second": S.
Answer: {"hour": 11, "minute": 11}
